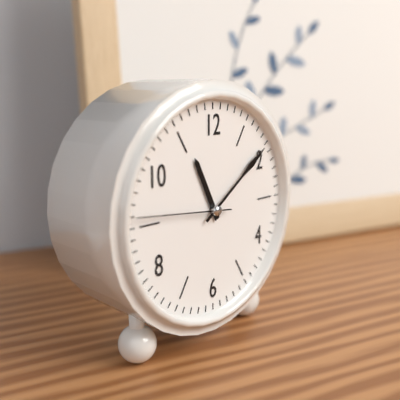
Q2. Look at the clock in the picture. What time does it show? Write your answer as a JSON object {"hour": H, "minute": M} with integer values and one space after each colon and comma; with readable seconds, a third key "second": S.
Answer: {"hour": 11, "minute": 9, "second": 46}
